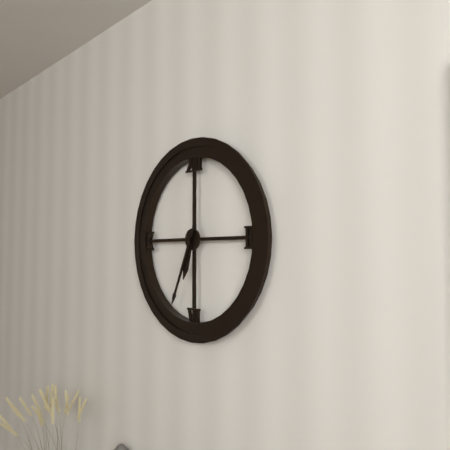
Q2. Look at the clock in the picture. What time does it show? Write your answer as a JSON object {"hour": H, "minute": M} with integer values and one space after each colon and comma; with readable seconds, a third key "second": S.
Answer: {"hour": 6, "minute": 34}
